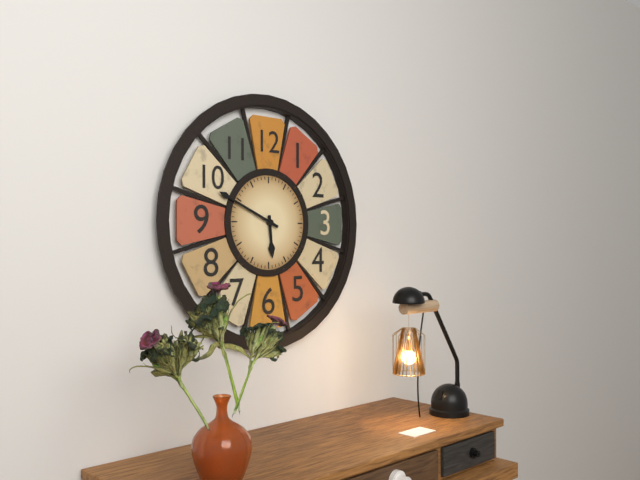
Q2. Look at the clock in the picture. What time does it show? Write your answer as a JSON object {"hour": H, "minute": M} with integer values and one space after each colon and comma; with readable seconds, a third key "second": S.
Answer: {"hour": 5, "minute": 49}
